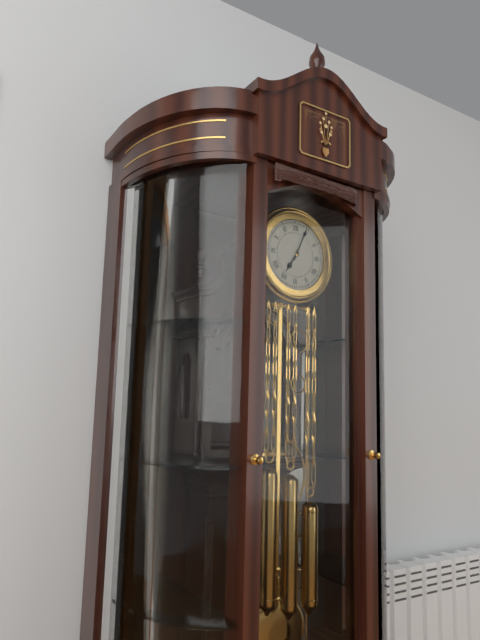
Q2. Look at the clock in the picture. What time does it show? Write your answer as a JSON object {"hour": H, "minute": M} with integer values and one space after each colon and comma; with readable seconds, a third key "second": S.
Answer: {"hour": 7, "minute": 4}
